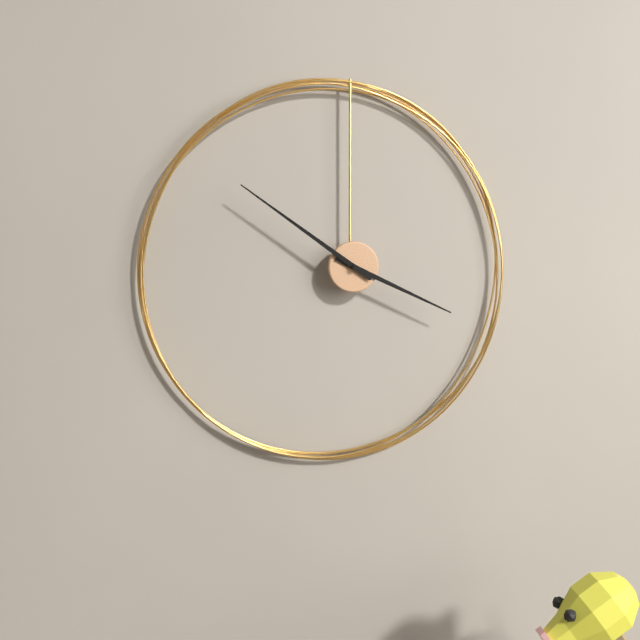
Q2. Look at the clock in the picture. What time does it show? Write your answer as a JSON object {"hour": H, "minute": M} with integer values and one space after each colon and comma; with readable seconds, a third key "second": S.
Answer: {"hour": 3, "minute": 51}
